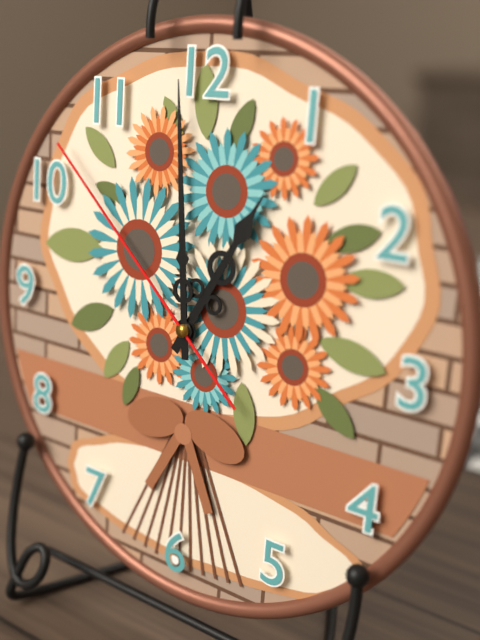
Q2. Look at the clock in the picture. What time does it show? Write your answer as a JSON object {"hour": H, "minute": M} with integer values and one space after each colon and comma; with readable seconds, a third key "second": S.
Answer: {"hour": 12, "minute": 59, "second": 52}
